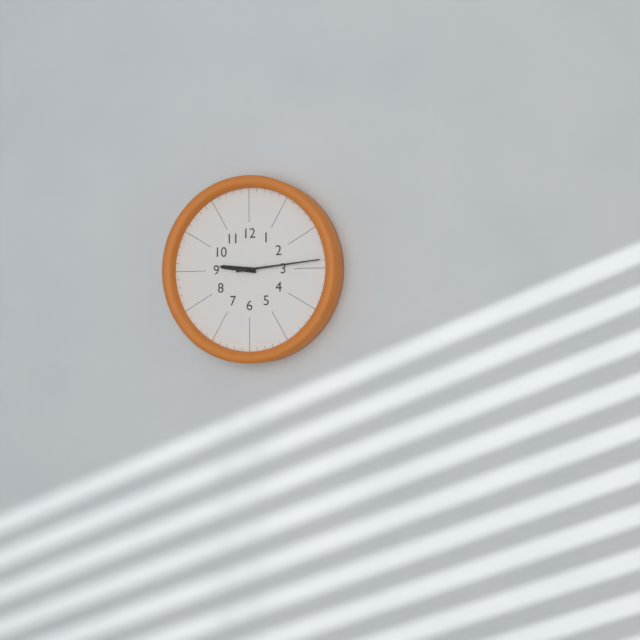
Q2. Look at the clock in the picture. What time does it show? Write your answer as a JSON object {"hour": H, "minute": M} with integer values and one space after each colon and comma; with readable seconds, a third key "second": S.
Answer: {"hour": 9, "minute": 14}
